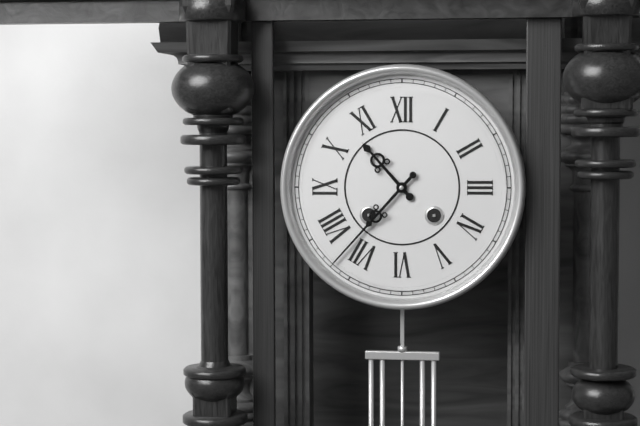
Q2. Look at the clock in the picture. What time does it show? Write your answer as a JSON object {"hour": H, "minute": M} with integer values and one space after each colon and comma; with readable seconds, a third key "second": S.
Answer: {"hour": 10, "minute": 37}
